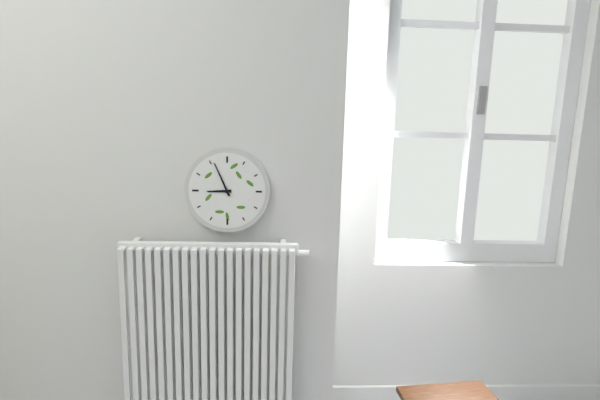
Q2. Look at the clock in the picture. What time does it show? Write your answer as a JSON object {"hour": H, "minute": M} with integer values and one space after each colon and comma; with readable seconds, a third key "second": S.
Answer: {"hour": 8, "minute": 56}
